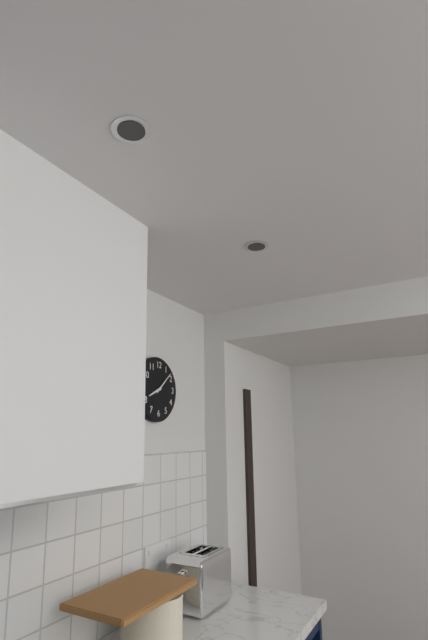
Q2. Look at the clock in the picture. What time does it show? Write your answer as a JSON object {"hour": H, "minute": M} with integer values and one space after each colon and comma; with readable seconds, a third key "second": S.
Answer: {"hour": 8, "minute": 8}
